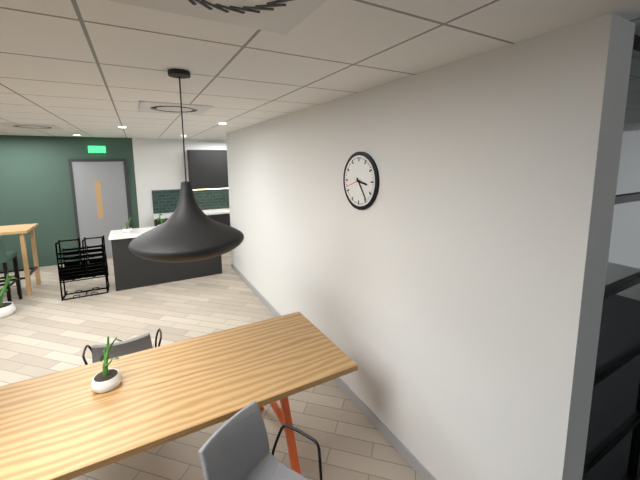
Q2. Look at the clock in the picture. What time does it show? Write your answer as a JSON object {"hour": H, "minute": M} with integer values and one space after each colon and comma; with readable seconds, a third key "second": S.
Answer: {"hour": 3, "minute": 24}
